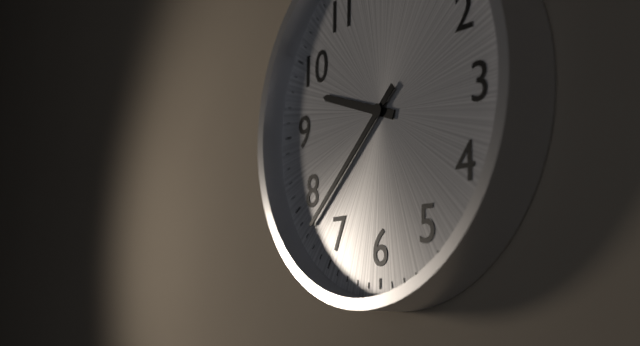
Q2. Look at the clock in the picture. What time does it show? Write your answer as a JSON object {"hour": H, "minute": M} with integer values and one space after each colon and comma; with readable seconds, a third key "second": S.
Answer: {"hour": 9, "minute": 38}
